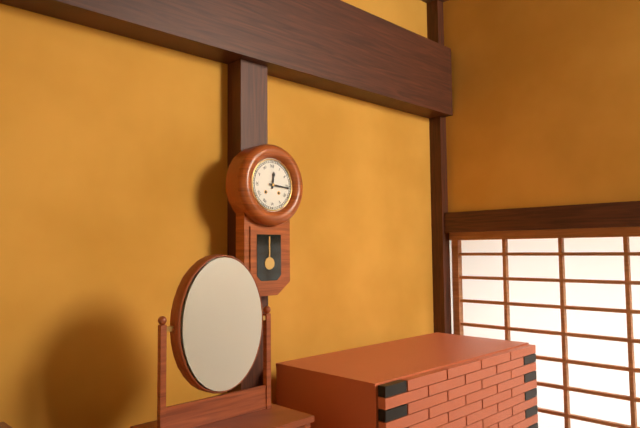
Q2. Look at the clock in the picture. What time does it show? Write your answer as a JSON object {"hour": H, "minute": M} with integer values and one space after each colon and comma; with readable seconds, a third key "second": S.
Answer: {"hour": 12, "minute": 16}
